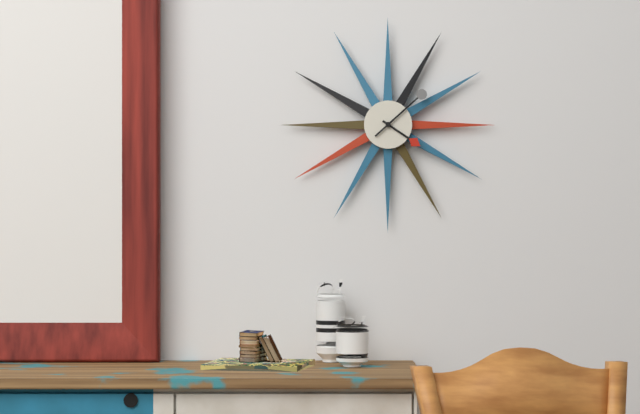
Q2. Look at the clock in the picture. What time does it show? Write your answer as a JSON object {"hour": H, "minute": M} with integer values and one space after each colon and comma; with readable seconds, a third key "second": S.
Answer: {"hour": 4, "minute": 8}
